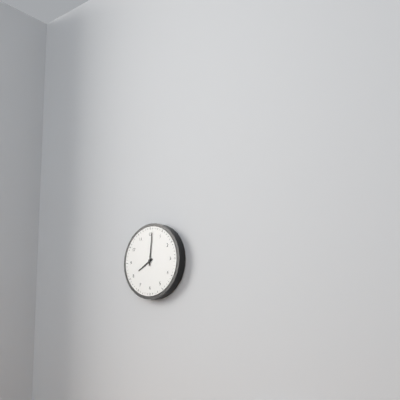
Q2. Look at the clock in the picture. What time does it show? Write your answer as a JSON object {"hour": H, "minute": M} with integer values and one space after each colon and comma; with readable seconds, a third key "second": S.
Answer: {"hour": 8, "minute": 1}
